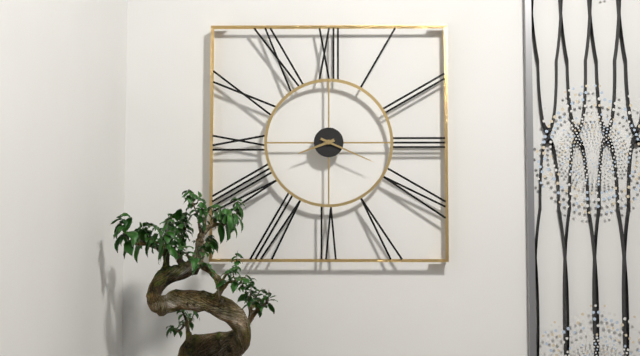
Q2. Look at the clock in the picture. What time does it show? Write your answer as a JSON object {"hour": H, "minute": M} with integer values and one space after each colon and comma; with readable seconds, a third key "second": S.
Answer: {"hour": 8, "minute": 19}
